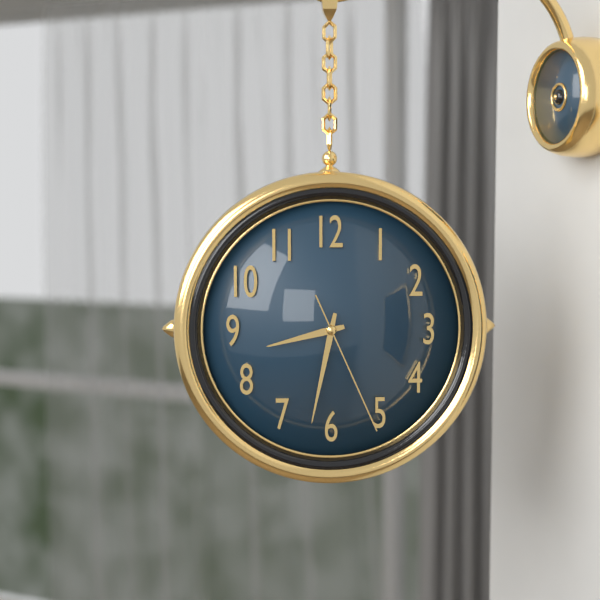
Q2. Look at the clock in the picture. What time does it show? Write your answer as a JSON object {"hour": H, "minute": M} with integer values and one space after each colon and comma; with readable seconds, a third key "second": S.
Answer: {"hour": 8, "minute": 32, "second": 26}
